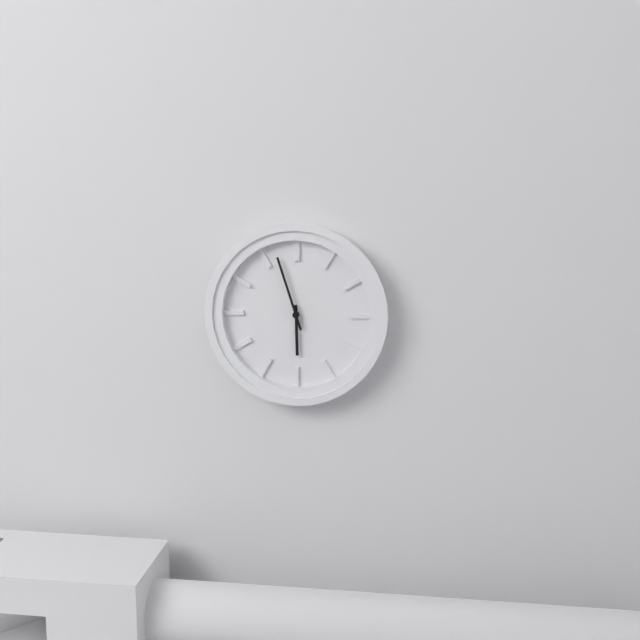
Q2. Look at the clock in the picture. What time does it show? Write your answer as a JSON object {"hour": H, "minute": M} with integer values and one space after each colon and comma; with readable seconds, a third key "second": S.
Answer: {"hour": 5, "minute": 57}
